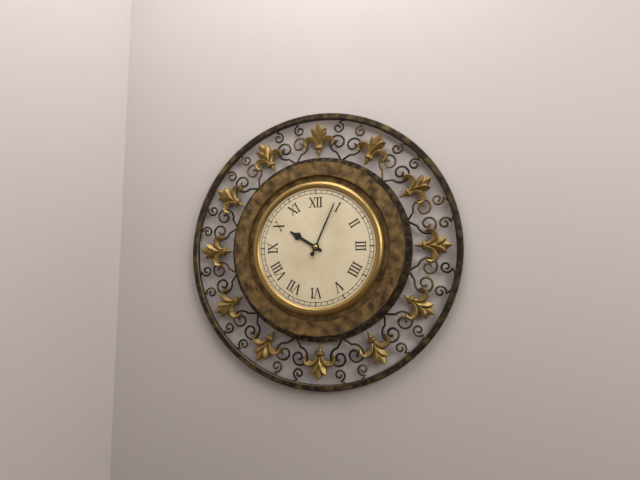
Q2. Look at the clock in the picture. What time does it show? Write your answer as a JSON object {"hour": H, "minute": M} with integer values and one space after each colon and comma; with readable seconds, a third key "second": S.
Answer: {"hour": 10, "minute": 4}
